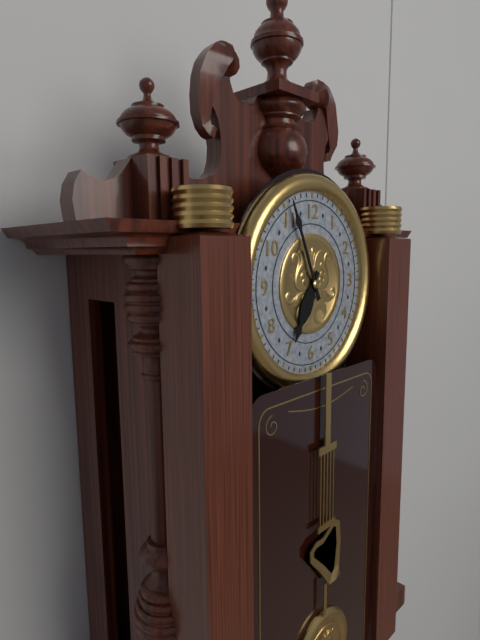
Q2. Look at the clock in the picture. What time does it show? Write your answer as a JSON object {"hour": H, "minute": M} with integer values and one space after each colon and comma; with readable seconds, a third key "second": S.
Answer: {"hour": 6, "minute": 56}
